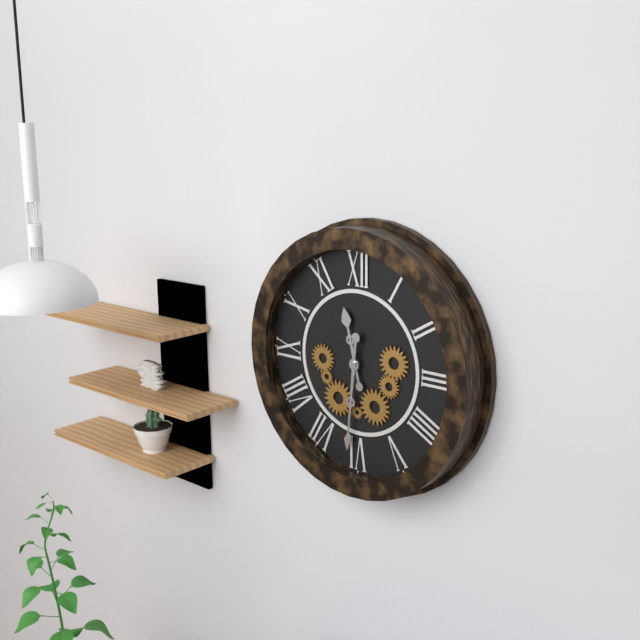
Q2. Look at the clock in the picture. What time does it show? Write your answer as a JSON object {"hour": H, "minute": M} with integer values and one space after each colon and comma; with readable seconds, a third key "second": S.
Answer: {"hour": 11, "minute": 31}
